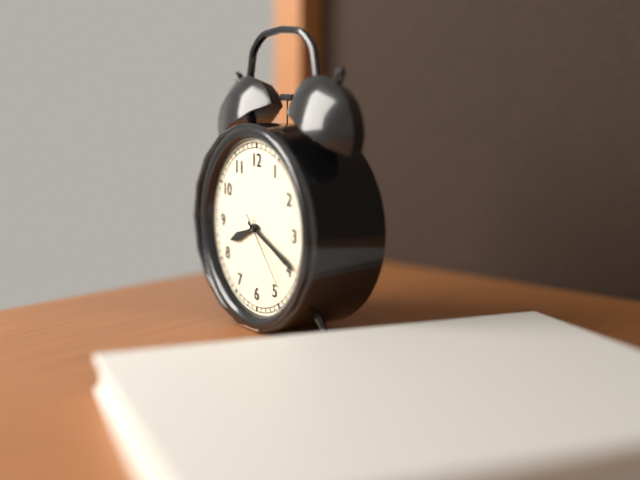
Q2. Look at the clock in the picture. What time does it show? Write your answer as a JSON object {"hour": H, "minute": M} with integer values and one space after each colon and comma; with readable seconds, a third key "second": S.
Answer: {"hour": 8, "minute": 19, "second": 23}
